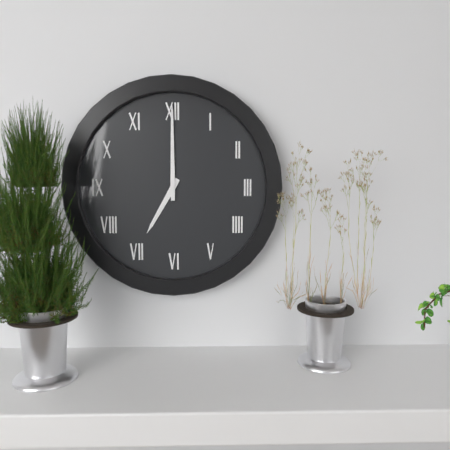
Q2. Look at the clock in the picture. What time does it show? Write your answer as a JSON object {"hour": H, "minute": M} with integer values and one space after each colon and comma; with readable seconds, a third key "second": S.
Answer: {"hour": 7, "minute": 0}
